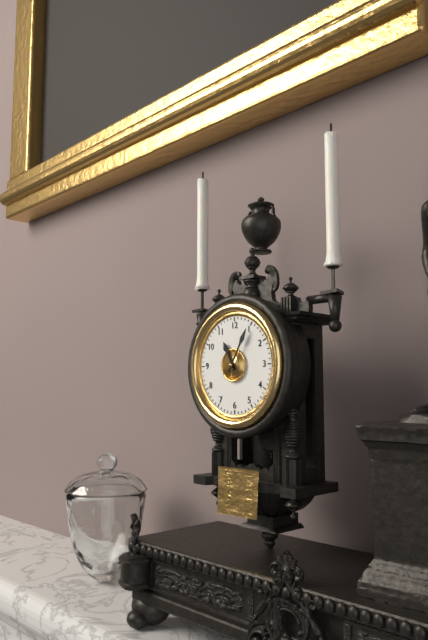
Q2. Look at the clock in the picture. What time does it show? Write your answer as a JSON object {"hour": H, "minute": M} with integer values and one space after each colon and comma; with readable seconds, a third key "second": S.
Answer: {"hour": 11, "minute": 5}
